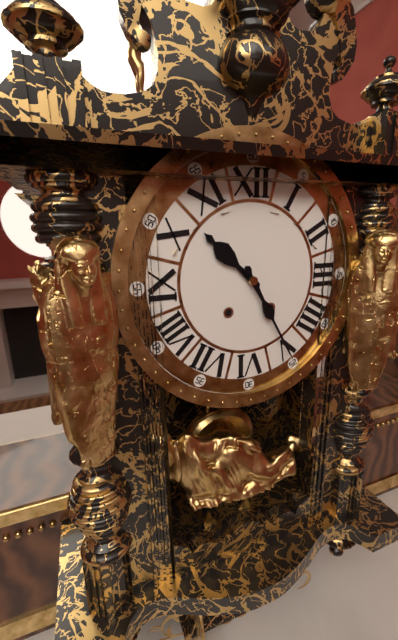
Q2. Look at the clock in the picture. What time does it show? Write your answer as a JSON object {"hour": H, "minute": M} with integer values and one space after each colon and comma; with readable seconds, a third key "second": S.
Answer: {"hour": 10, "minute": 25}
